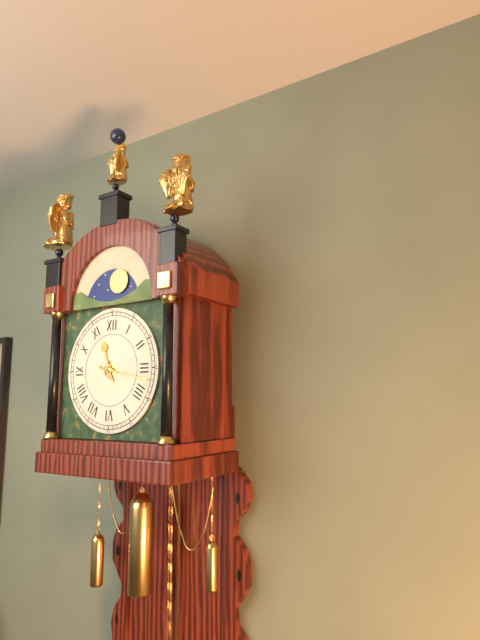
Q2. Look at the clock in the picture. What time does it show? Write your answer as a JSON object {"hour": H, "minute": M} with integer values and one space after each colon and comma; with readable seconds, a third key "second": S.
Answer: {"hour": 11, "minute": 17}
